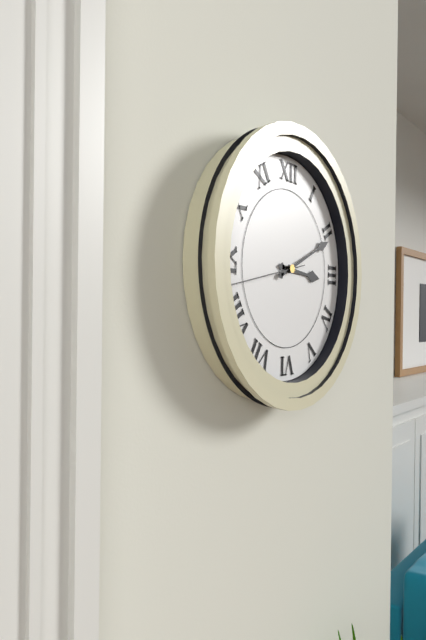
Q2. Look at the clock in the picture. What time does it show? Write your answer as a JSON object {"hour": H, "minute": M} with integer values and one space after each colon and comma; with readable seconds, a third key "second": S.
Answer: {"hour": 3, "minute": 11, "second": 43}
